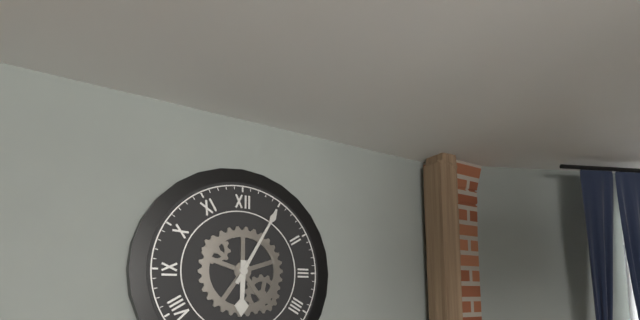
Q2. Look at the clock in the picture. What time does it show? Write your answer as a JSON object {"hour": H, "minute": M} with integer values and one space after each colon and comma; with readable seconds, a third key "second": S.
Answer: {"hour": 6, "minute": 5}
